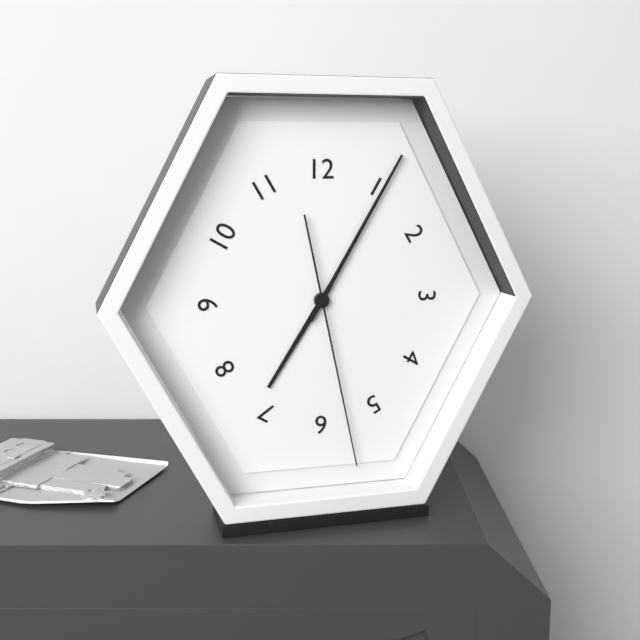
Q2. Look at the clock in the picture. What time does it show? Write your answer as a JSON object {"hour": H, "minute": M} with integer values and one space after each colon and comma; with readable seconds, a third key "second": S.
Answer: {"hour": 7, "minute": 5, "second": 28}
